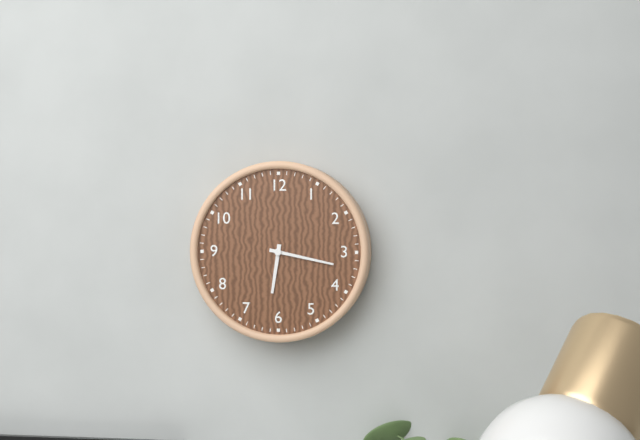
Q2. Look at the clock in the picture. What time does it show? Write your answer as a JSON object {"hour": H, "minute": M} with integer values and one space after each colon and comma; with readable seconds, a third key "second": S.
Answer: {"hour": 6, "minute": 17}
